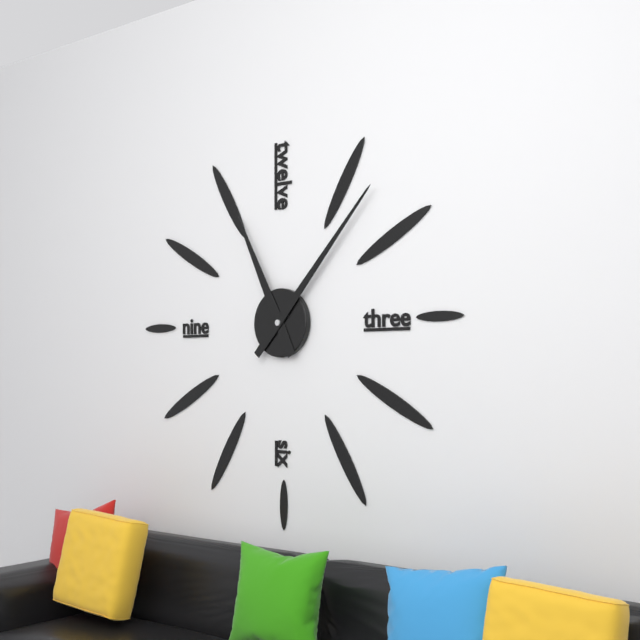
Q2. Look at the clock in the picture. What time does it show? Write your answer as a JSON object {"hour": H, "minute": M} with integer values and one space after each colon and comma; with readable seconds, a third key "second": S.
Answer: {"hour": 11, "minute": 7}
